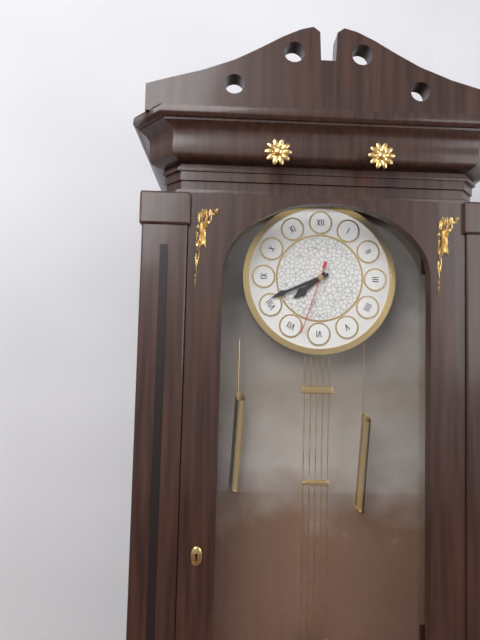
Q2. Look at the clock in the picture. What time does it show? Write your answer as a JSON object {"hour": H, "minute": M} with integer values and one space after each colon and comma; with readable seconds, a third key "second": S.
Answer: {"hour": 7, "minute": 41, "second": 33}
